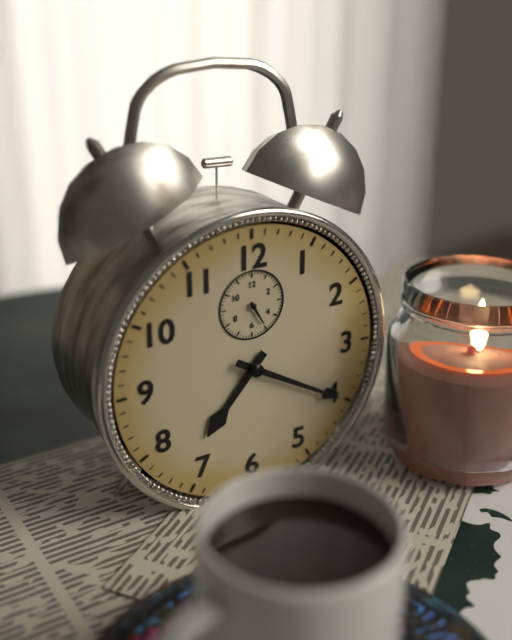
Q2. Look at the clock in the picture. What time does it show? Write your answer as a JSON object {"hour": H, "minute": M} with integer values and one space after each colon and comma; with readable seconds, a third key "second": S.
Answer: {"hour": 7, "minute": 20}
